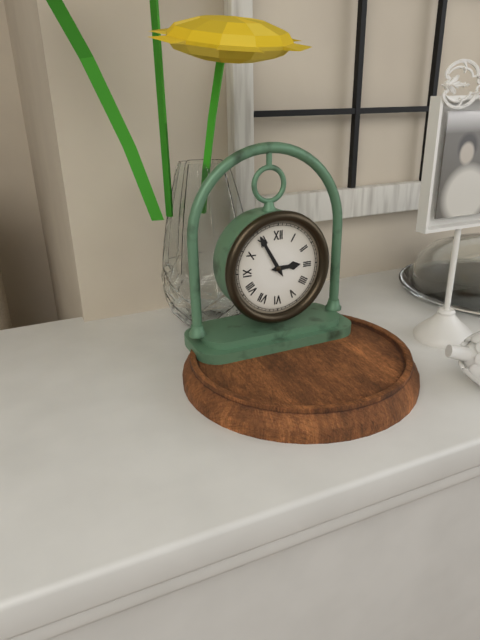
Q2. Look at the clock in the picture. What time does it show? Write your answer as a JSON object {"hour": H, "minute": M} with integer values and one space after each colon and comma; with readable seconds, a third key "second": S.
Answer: {"hour": 2, "minute": 55}
